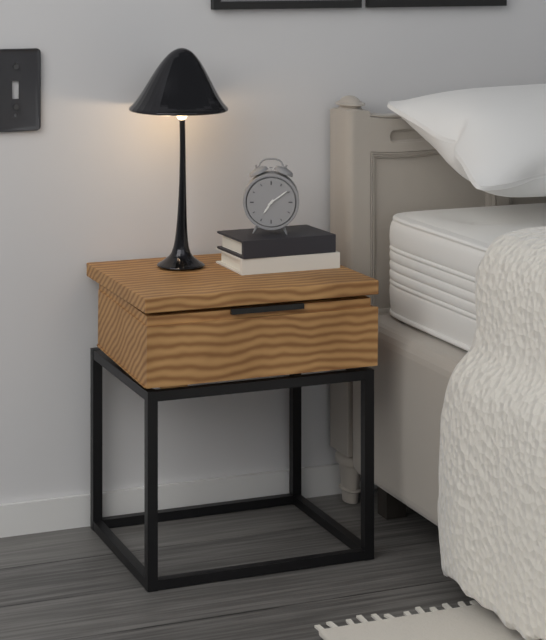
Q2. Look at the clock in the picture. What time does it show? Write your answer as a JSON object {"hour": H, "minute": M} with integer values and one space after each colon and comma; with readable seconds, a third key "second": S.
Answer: {"hour": 7, "minute": 9}
